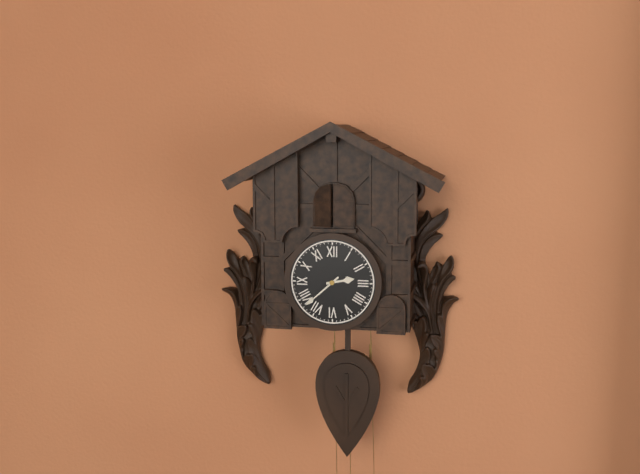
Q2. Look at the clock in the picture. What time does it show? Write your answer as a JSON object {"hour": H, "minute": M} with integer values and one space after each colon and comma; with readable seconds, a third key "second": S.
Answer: {"hour": 2, "minute": 38}
